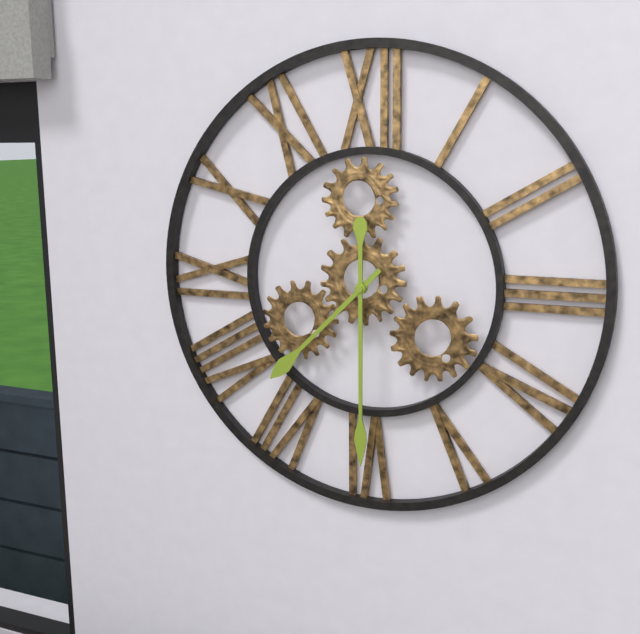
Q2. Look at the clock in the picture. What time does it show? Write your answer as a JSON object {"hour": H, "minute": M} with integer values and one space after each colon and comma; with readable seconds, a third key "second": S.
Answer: {"hour": 7, "minute": 30}
